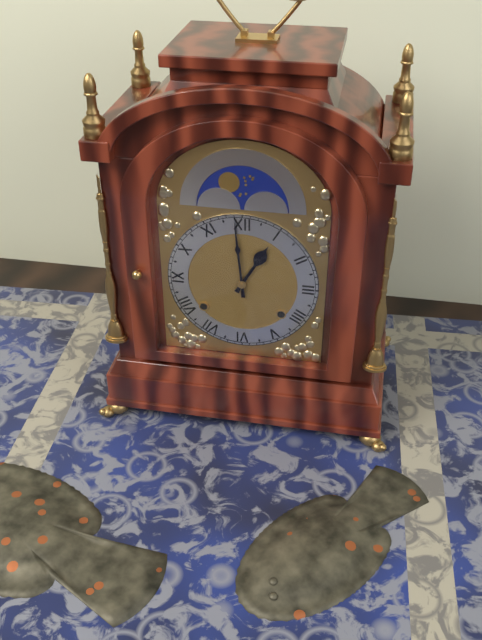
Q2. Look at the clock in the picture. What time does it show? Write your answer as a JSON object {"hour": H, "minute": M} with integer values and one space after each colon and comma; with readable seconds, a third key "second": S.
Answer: {"hour": 12, "minute": 59}
